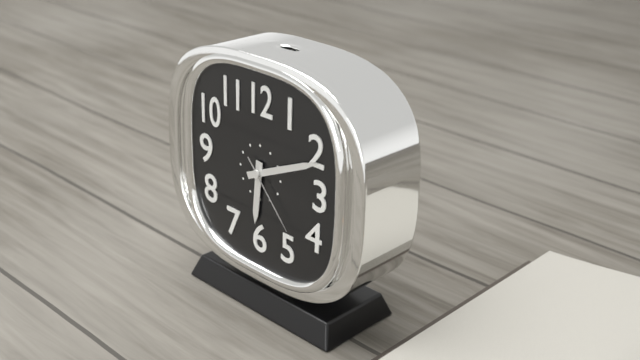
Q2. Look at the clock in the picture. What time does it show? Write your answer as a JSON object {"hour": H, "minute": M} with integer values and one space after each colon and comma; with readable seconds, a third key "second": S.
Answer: {"hour": 6, "minute": 11, "second": 23}
